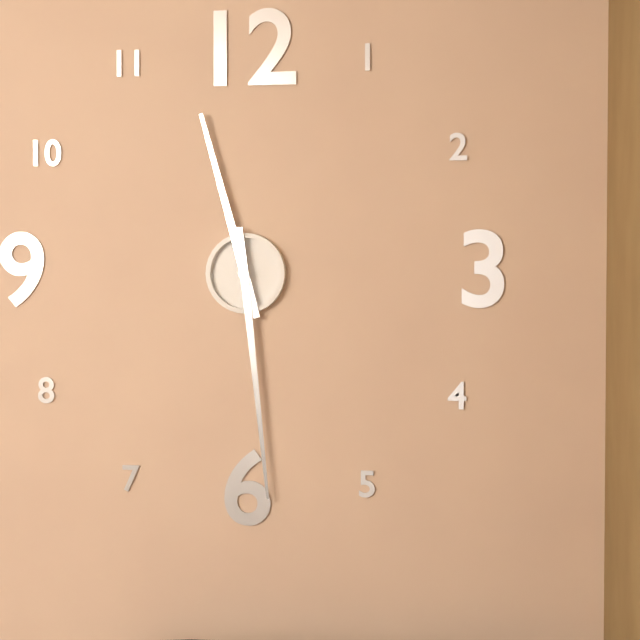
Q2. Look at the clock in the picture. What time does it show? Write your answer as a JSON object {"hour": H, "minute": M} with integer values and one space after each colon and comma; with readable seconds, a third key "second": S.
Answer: {"hour": 11, "minute": 29}
